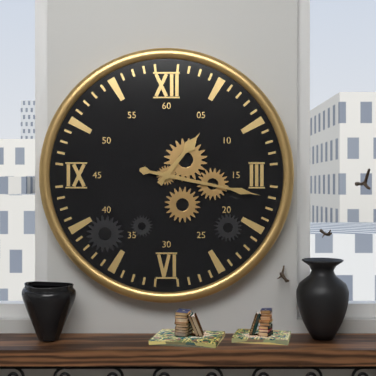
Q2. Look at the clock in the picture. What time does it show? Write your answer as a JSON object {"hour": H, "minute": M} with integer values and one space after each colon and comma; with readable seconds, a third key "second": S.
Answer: {"hour": 1, "minute": 17}
